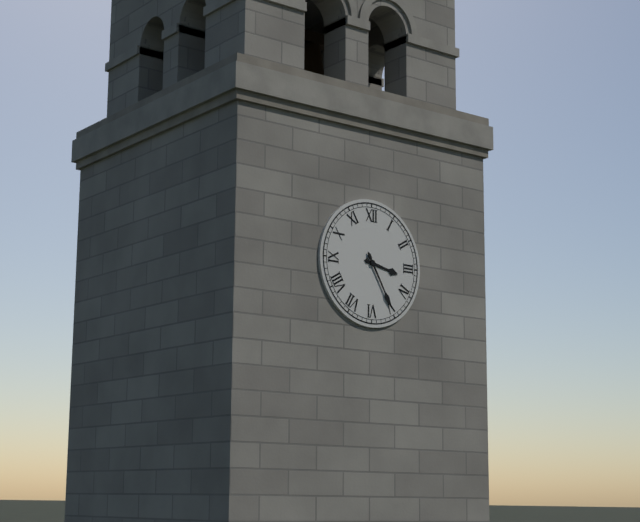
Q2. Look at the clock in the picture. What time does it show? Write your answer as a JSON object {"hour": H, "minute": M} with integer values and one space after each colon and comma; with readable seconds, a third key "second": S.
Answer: {"hour": 3, "minute": 25}
